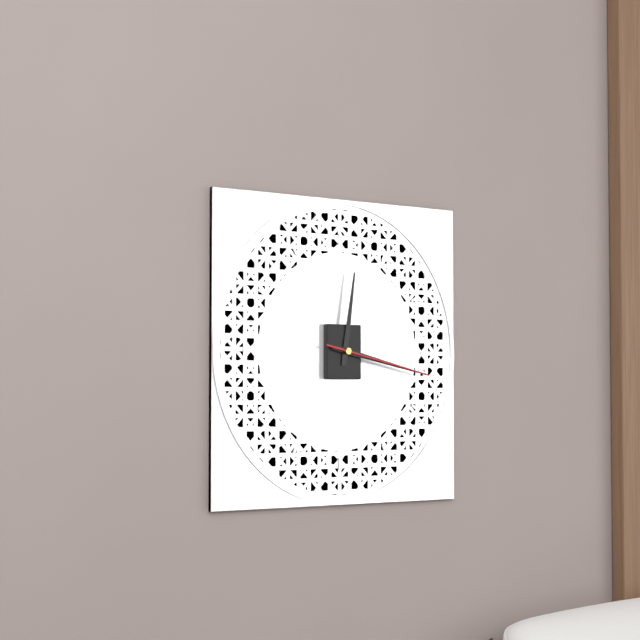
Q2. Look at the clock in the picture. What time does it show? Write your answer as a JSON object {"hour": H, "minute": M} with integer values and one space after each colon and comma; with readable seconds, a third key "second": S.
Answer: {"hour": 12, "minute": 17, "second": 17}
